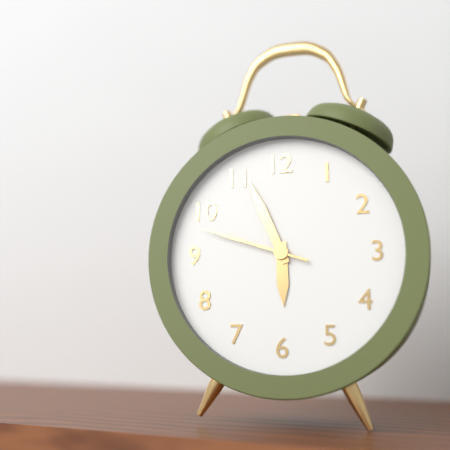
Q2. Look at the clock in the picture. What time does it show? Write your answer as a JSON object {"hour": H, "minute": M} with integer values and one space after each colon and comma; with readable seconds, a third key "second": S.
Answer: {"hour": 5, "minute": 56, "second": 48}
